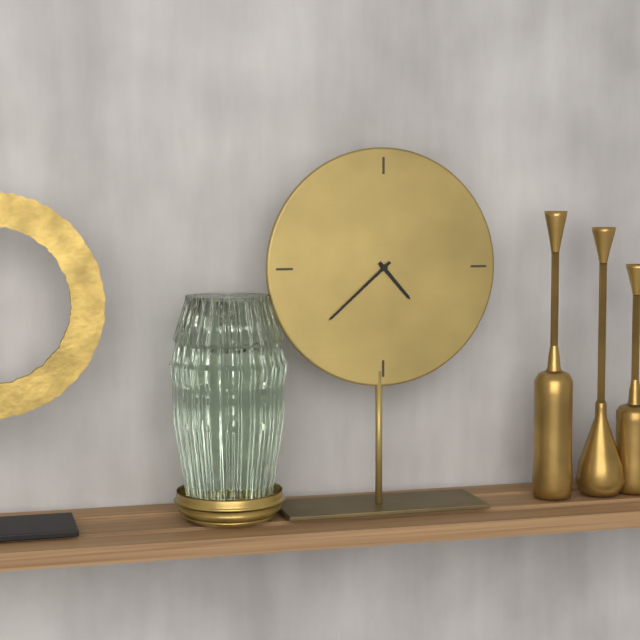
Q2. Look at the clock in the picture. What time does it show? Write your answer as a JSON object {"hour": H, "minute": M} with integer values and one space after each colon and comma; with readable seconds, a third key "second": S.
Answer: {"hour": 4, "minute": 38}
